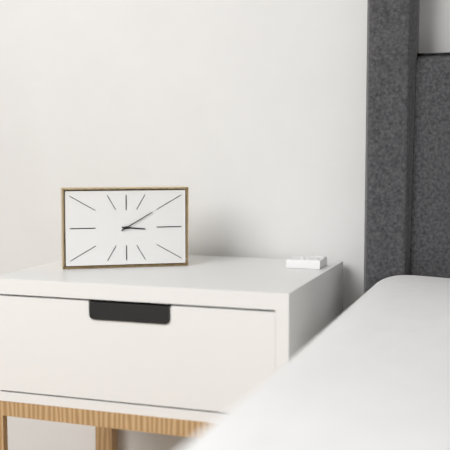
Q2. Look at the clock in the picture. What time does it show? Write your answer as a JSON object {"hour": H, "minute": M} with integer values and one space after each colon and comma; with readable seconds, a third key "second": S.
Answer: {"hour": 3, "minute": 10}
